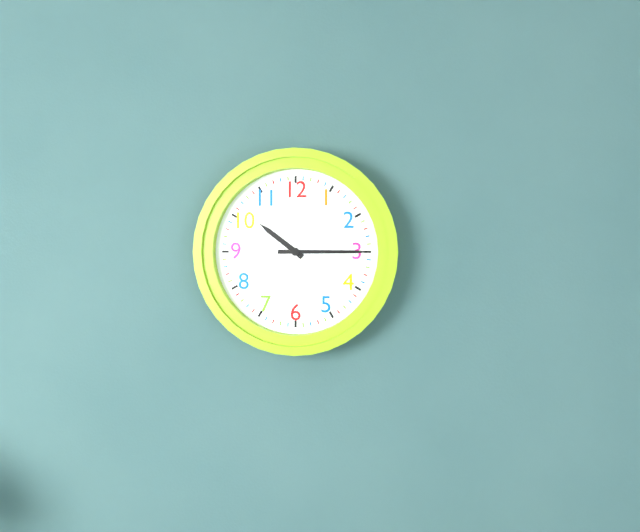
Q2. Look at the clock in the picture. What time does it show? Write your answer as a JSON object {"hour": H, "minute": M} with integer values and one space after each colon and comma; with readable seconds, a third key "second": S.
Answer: {"hour": 10, "minute": 15}
